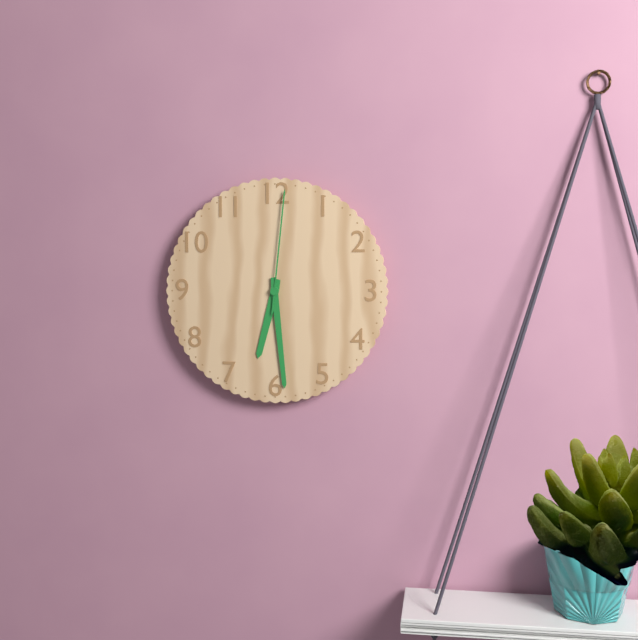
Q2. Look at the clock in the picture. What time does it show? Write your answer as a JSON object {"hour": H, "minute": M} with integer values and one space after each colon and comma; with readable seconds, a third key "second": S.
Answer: {"hour": 6, "minute": 29, "second": 1}
